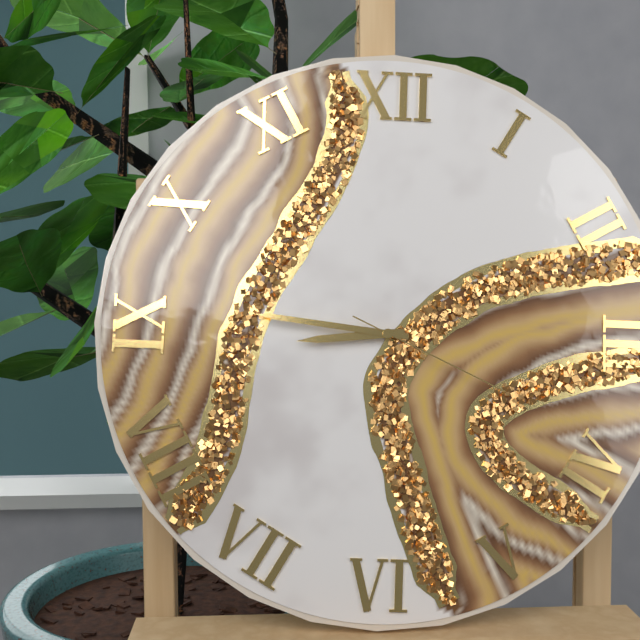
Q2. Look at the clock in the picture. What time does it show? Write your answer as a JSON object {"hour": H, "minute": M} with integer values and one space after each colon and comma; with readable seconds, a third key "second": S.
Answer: {"hour": 8, "minute": 46, "second": 19}
